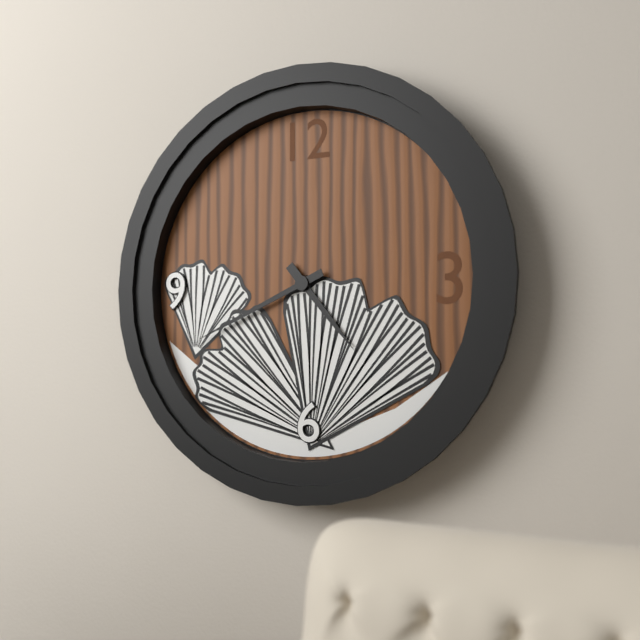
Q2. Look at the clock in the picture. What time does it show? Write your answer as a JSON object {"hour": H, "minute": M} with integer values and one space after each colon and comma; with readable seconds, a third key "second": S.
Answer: {"hour": 4, "minute": 41}
